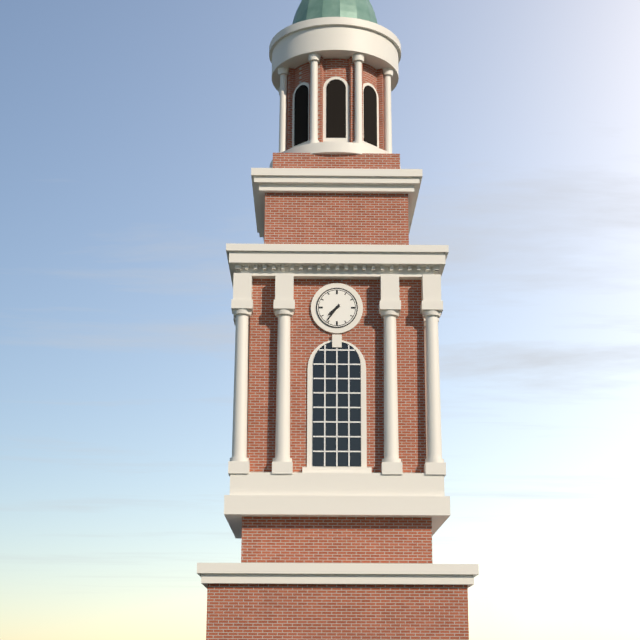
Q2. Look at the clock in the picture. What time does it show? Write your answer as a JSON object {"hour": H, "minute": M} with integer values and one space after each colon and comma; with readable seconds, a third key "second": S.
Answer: {"hour": 7, "minute": 36}
